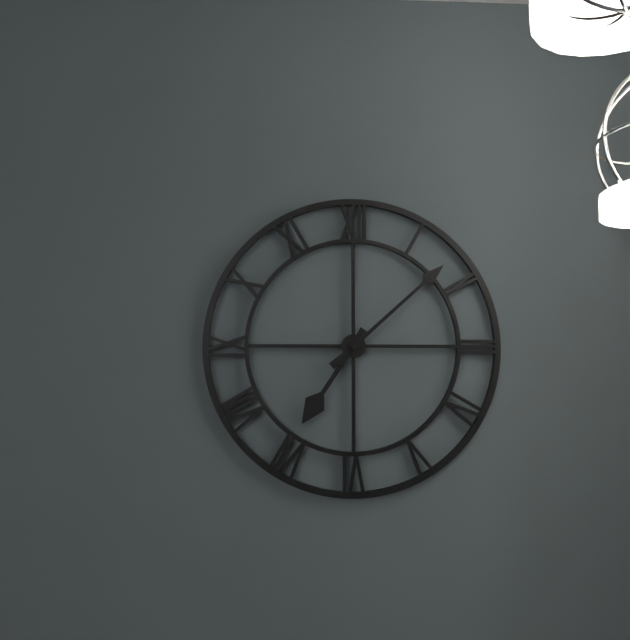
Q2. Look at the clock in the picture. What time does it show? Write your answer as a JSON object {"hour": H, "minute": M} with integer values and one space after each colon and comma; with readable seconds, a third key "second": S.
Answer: {"hour": 7, "minute": 8}
